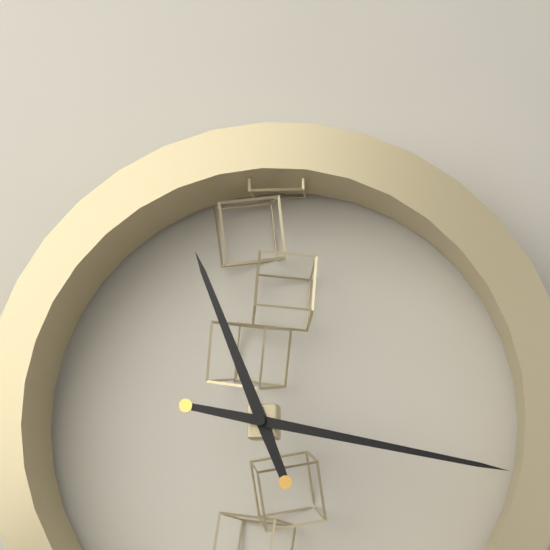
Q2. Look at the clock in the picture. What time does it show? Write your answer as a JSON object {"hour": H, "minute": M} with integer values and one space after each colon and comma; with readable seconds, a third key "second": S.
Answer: {"hour": 11, "minute": 17}
